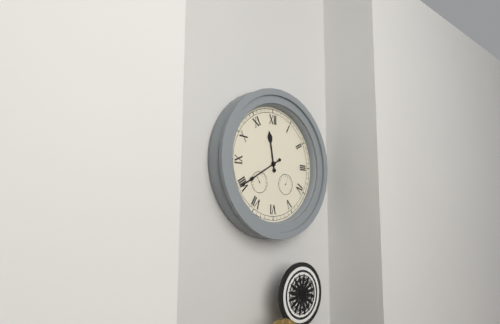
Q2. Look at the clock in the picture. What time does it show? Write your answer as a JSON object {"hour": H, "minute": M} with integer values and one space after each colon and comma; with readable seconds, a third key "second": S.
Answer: {"hour": 11, "minute": 40}
